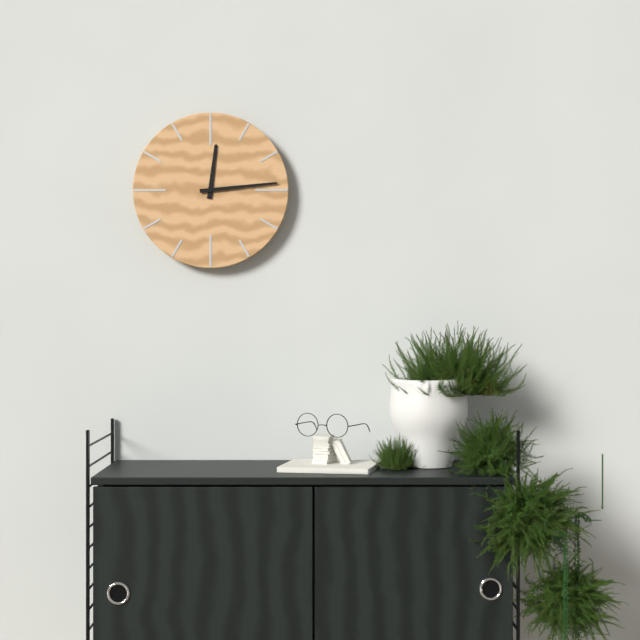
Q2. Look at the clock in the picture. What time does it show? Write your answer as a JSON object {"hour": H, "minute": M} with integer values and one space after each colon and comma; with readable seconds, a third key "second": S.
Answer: {"hour": 12, "minute": 14}
